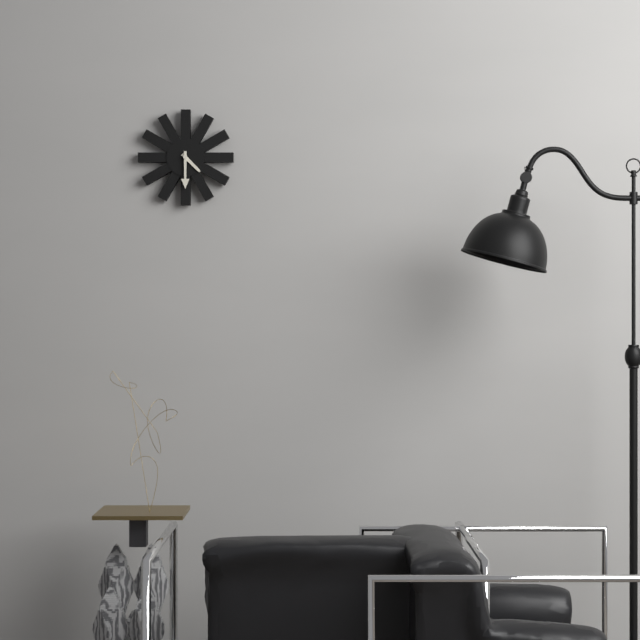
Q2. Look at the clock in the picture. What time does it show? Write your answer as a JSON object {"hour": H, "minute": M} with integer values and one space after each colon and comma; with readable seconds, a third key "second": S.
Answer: {"hour": 4, "minute": 30}
